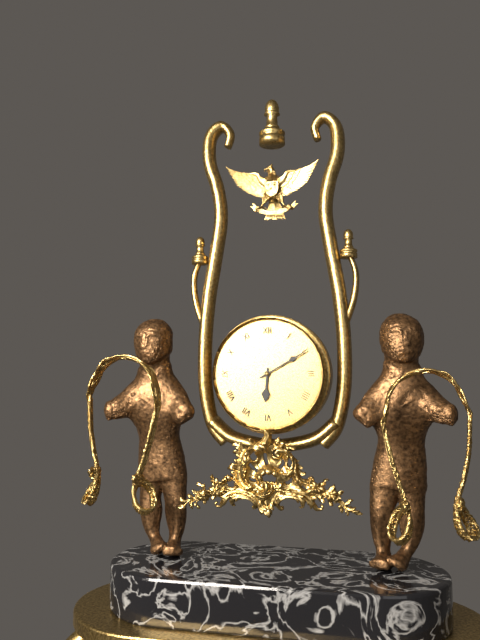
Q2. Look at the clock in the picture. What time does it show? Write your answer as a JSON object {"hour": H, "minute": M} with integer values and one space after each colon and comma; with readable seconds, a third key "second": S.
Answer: {"hour": 6, "minute": 10}
